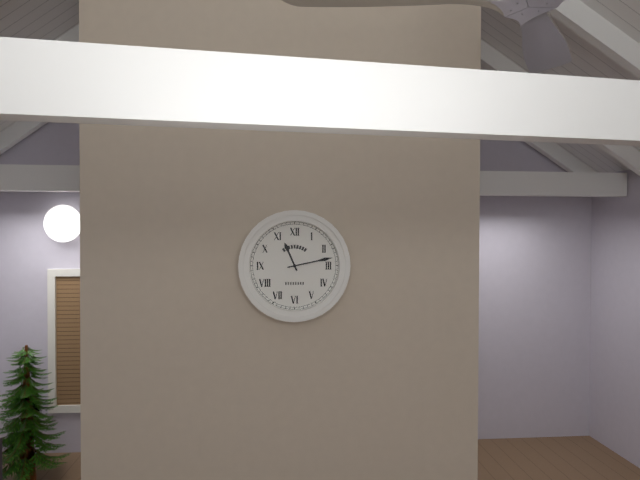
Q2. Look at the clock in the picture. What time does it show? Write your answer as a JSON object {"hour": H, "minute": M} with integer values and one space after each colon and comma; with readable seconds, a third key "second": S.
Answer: {"hour": 11, "minute": 13}
